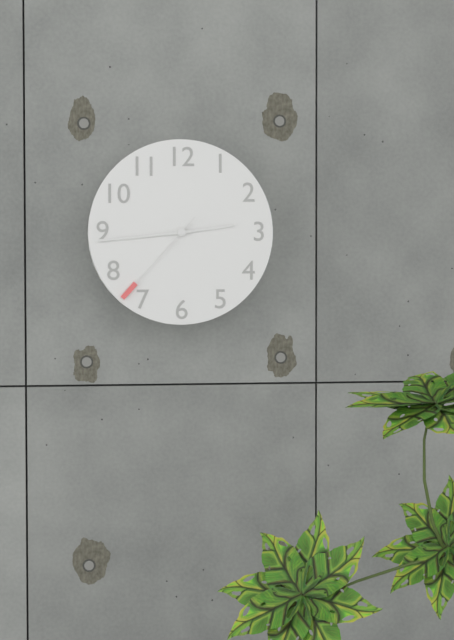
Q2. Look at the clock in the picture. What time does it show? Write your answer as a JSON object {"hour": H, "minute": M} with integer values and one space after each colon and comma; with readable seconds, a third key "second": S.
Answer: {"hour": 2, "minute": 44, "second": 37}
